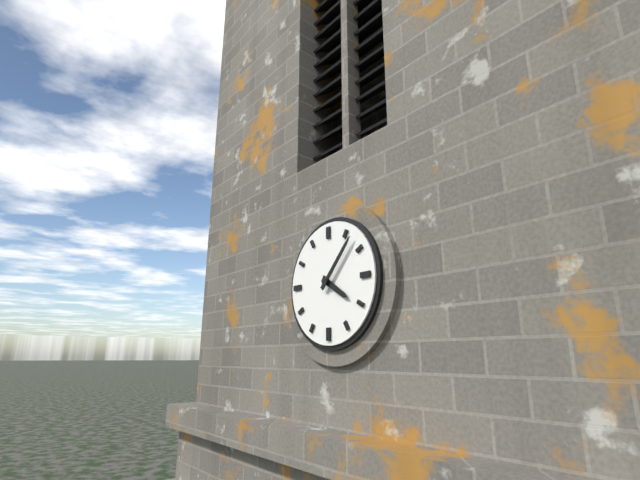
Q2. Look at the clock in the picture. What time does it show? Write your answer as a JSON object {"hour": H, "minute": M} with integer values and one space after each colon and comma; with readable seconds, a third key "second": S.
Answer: {"hour": 4, "minute": 7}
